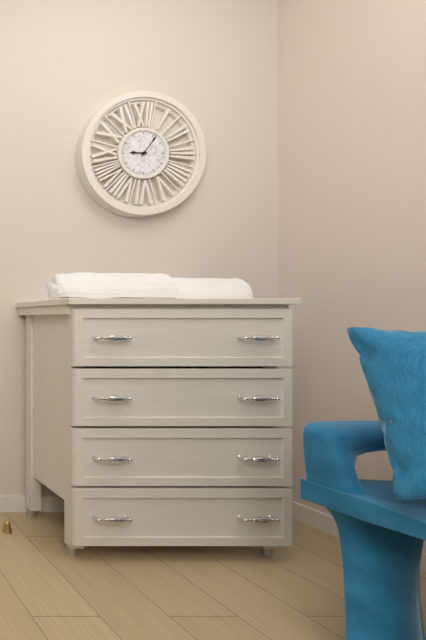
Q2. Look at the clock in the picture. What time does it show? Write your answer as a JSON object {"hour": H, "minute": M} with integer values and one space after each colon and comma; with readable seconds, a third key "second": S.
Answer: {"hour": 9, "minute": 6}
